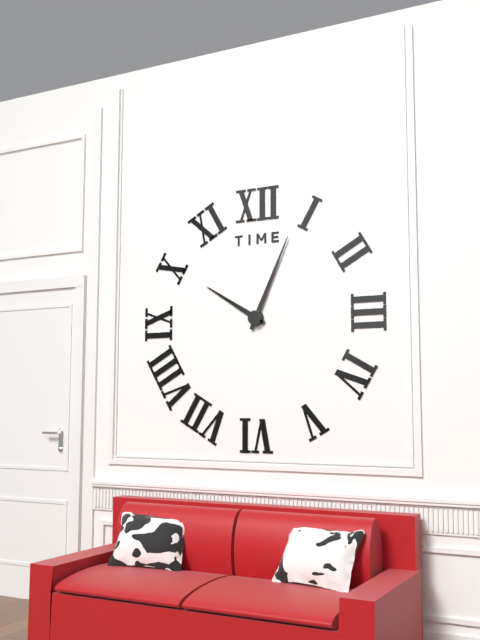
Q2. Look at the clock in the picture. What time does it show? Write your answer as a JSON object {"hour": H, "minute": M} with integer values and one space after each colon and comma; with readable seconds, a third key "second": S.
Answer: {"hour": 10, "minute": 4}
